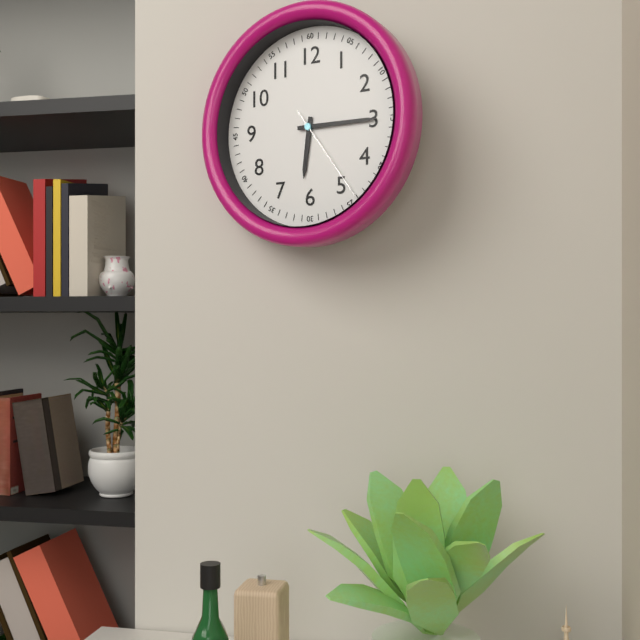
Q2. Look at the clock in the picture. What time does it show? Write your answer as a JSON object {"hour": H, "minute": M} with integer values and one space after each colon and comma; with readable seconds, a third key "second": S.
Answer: {"hour": 6, "minute": 15, "second": 24}
